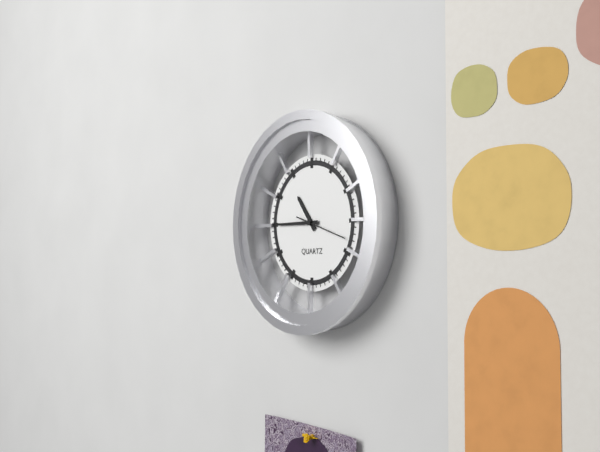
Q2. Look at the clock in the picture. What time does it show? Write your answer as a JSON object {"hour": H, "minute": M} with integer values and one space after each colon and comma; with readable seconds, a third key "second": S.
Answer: {"hour": 10, "minute": 45}
